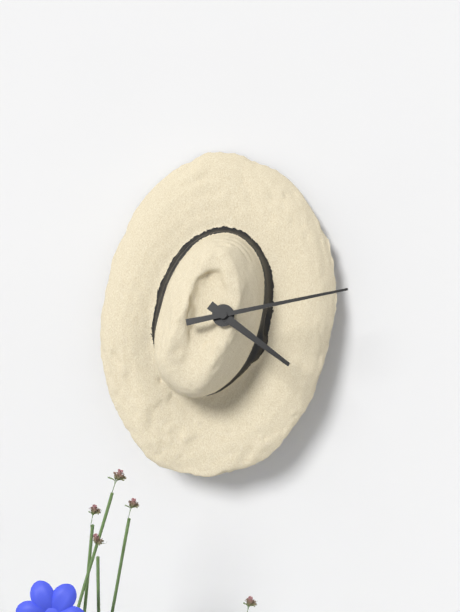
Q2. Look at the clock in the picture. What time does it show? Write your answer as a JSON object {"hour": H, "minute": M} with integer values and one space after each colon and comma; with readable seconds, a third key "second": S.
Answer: {"hour": 4, "minute": 13}
